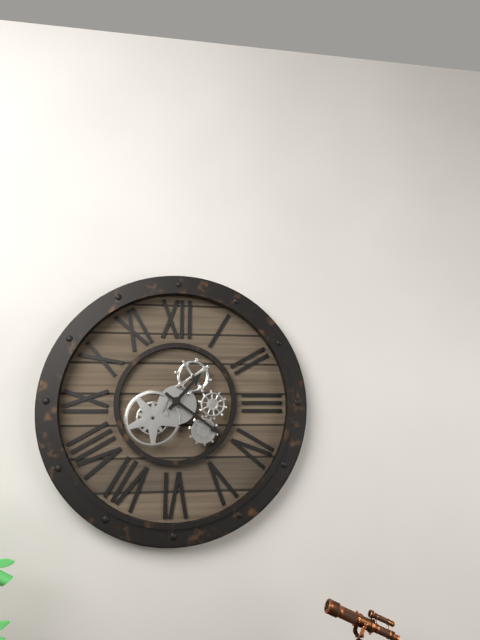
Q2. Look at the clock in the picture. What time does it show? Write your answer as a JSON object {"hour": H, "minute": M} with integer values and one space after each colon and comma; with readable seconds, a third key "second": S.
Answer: {"hour": 1, "minute": 21}
